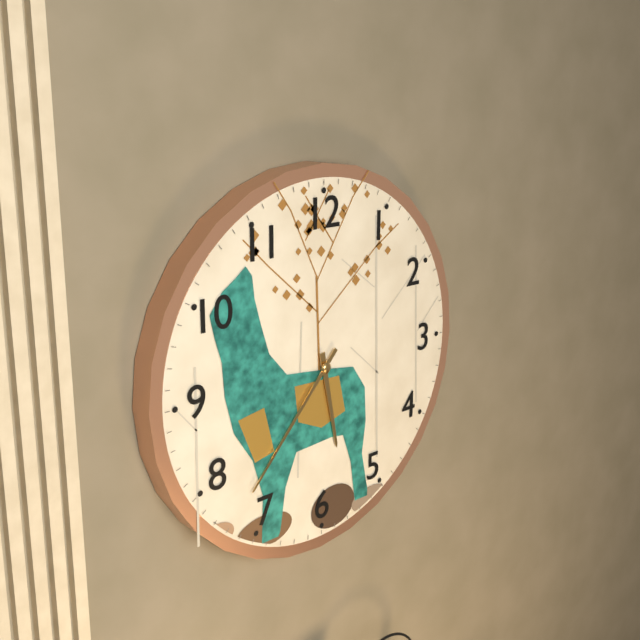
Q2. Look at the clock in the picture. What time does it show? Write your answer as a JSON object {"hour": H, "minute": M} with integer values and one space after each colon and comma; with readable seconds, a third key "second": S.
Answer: {"hour": 5, "minute": 37}
